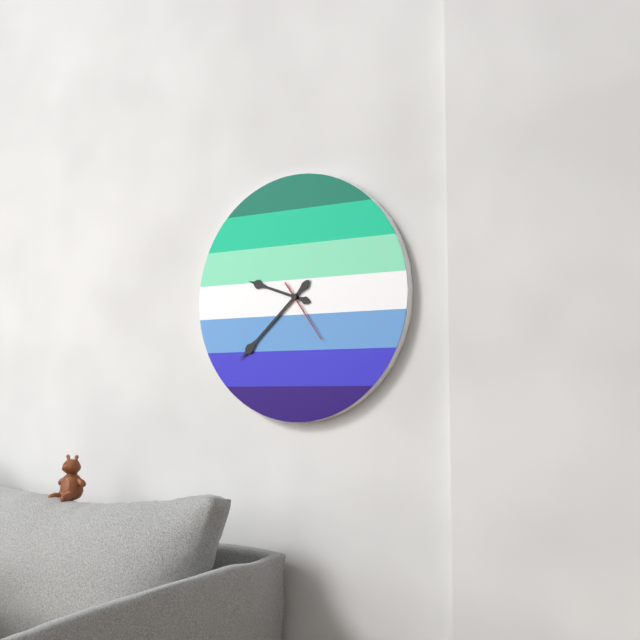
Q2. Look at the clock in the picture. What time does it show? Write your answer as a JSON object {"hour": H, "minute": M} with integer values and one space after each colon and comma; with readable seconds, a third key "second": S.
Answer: {"hour": 9, "minute": 38, "second": 24}
